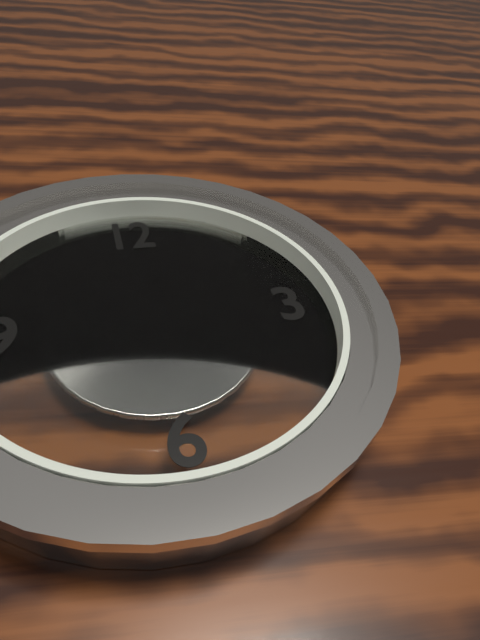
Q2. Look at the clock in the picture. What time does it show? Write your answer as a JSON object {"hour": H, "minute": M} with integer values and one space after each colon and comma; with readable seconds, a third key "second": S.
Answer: {"hour": 9, "minute": 58}
